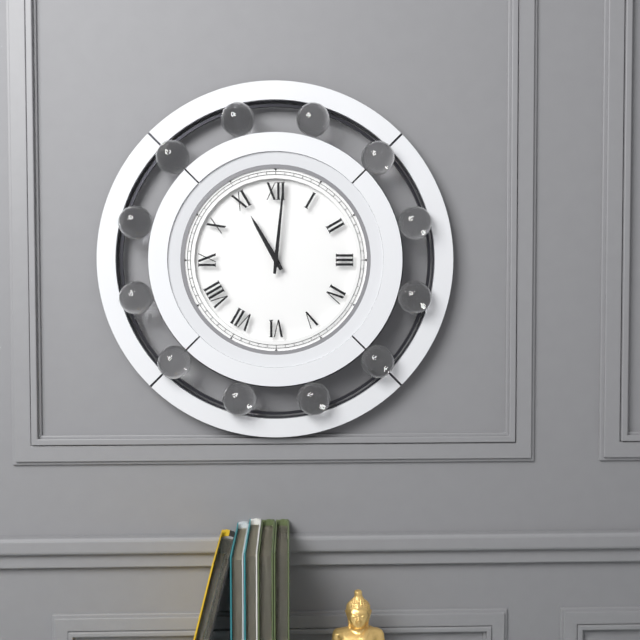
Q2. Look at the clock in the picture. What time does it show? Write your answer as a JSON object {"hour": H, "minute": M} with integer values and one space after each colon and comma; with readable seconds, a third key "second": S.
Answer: {"hour": 11, "minute": 1}
